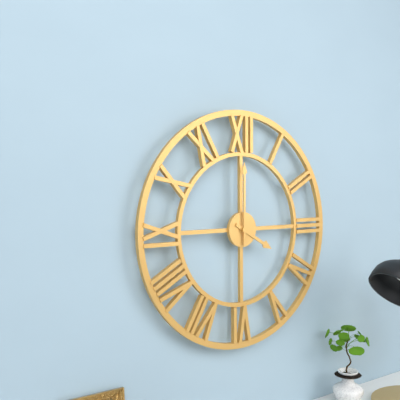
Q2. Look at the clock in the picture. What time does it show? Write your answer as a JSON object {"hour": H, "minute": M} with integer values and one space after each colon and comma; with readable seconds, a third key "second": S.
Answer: {"hour": 4, "minute": 0}
